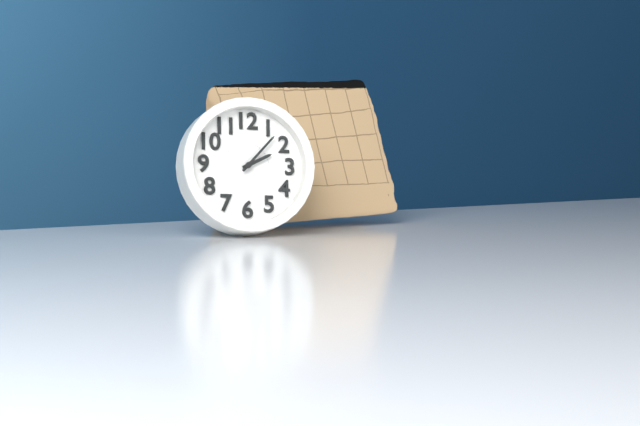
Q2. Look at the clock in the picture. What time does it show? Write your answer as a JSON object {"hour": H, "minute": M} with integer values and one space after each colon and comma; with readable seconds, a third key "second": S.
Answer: {"hour": 2, "minute": 7}
